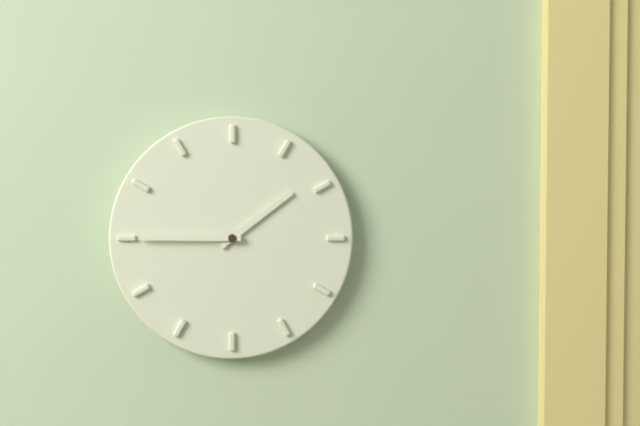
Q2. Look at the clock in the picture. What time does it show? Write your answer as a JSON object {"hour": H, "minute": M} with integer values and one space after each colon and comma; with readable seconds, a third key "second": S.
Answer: {"hour": 1, "minute": 45}
